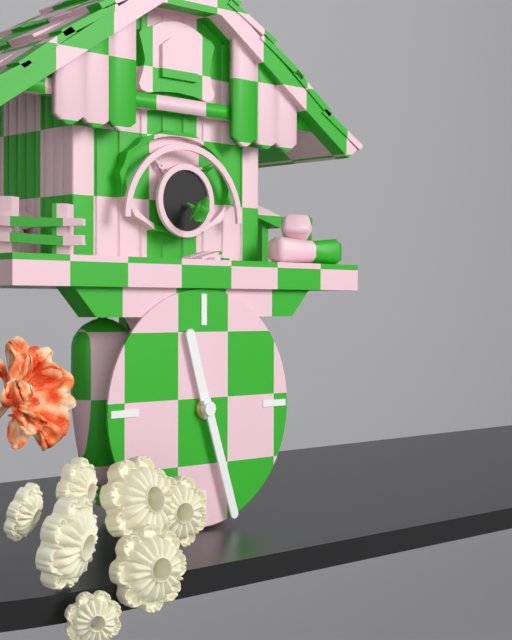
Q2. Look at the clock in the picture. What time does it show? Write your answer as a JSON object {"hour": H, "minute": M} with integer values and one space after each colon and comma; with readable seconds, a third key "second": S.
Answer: {"hour": 11, "minute": 27}
